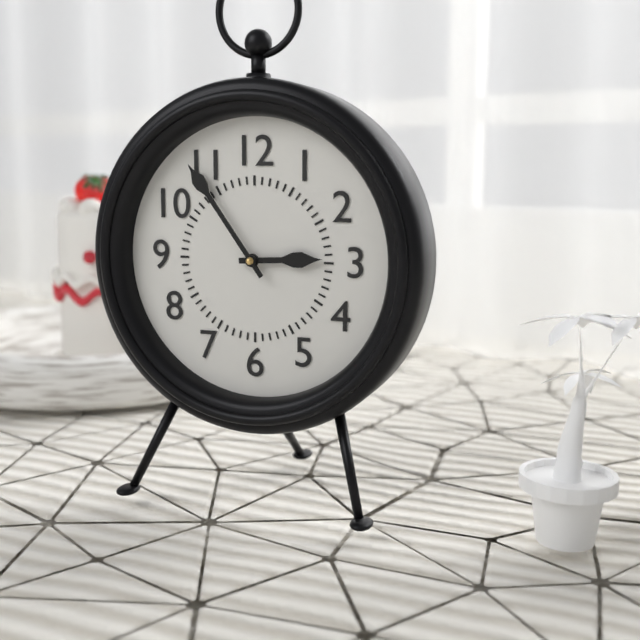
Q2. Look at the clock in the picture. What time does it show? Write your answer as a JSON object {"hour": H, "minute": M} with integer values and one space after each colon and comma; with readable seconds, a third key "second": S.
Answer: {"hour": 2, "minute": 54}
